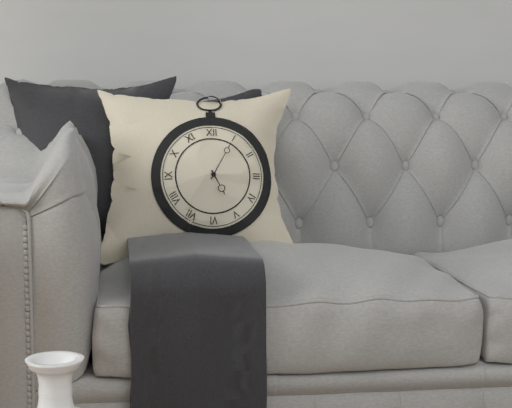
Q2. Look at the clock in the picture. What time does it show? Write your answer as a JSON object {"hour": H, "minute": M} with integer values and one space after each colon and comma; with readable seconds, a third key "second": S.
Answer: {"hour": 5, "minute": 5}
